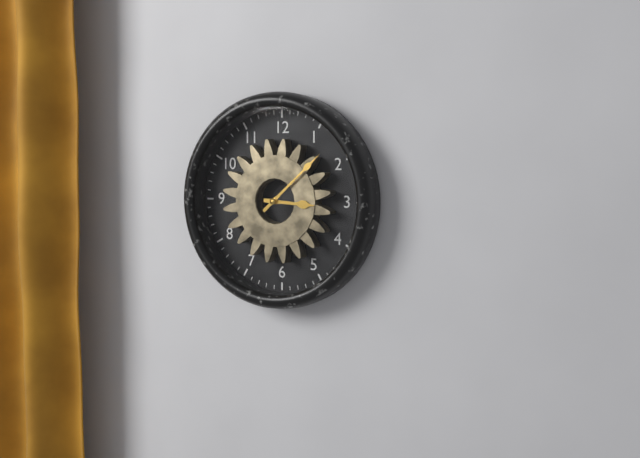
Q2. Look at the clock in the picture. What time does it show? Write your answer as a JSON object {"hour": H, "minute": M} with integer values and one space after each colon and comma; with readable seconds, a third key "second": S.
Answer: {"hour": 3, "minute": 8}
